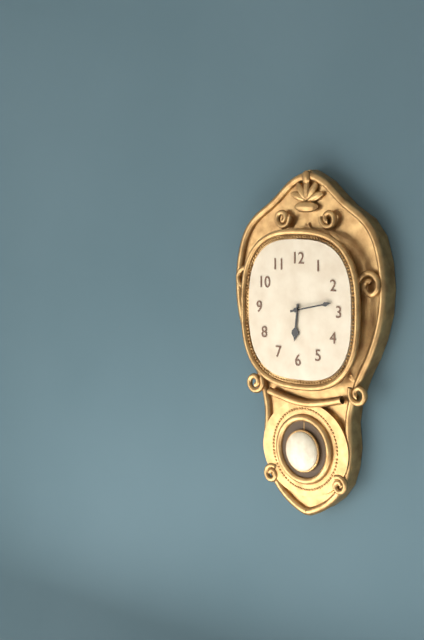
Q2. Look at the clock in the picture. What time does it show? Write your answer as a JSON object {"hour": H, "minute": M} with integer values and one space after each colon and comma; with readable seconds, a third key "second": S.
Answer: {"hour": 6, "minute": 13}
